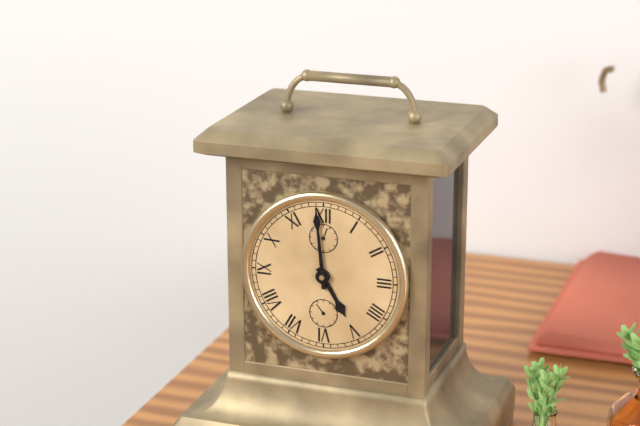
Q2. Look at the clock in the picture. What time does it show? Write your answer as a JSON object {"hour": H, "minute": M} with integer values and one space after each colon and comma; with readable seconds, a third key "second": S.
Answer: {"hour": 4, "minute": 59}
